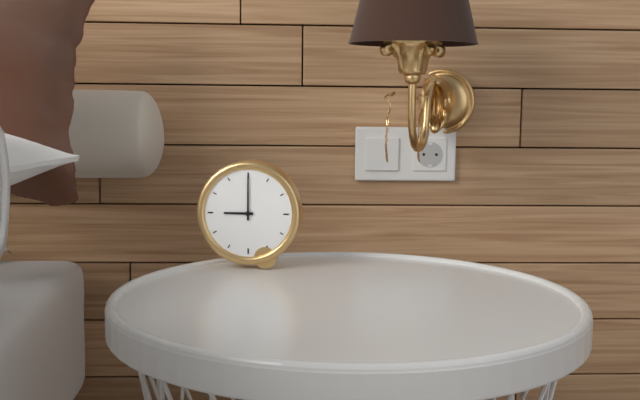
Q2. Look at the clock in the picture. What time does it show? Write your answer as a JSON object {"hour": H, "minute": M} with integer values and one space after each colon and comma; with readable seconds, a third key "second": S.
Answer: {"hour": 9, "minute": 0}
